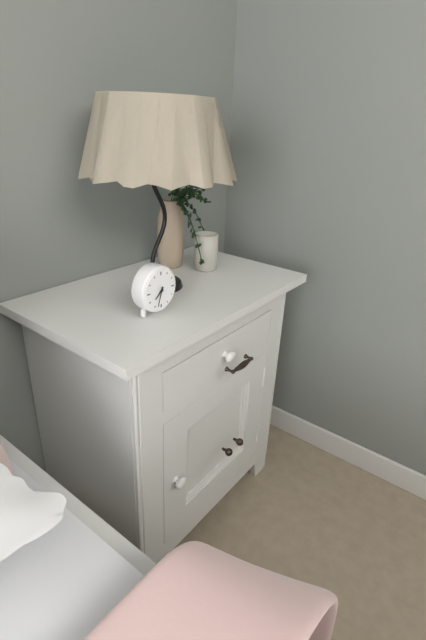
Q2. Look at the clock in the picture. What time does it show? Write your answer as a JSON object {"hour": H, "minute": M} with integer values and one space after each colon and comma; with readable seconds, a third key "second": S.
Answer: {"hour": 7, "minute": 33}
